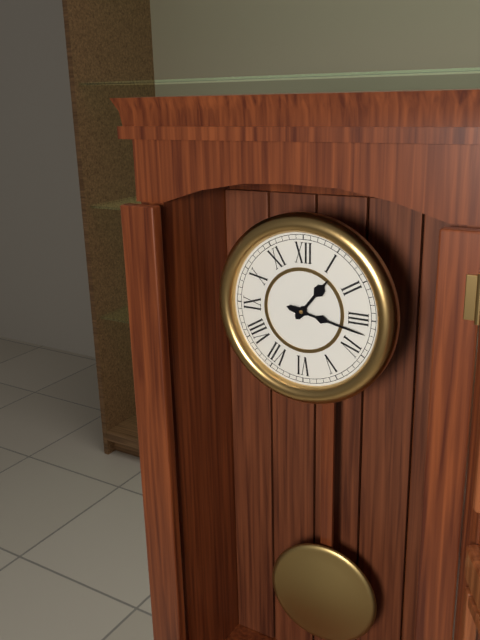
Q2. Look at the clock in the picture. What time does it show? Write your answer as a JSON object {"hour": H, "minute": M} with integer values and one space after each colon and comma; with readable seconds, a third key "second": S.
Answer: {"hour": 1, "minute": 17}
